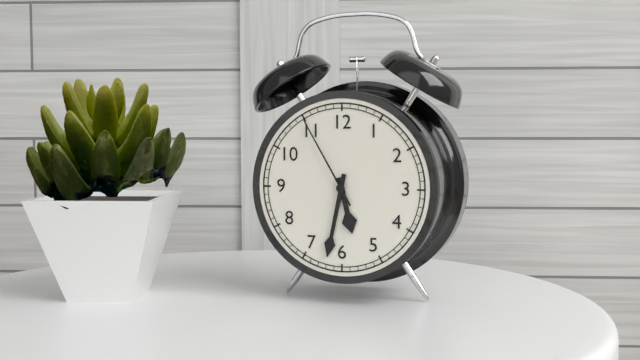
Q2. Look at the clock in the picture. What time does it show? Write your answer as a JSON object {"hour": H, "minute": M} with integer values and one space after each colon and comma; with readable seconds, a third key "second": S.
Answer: {"hour": 5, "minute": 32, "second": 55}
